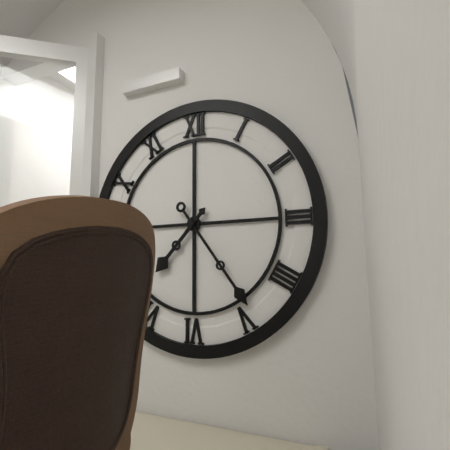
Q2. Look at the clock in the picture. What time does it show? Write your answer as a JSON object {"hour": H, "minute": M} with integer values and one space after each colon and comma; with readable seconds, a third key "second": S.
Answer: {"hour": 7, "minute": 24}
